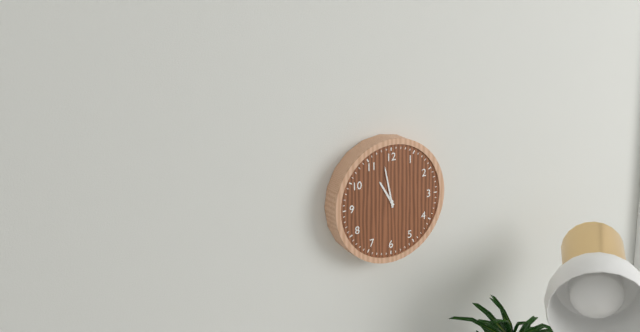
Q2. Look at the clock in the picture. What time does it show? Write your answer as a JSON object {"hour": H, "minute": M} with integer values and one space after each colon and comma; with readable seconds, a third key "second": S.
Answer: {"hour": 10, "minute": 58}
